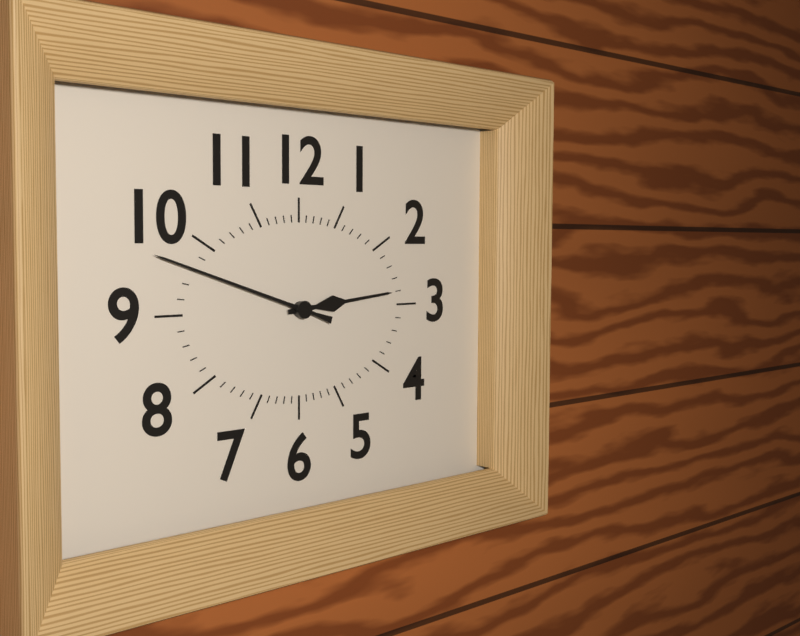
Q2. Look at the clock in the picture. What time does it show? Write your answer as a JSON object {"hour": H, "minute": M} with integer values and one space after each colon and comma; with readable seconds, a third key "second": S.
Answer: {"hour": 2, "minute": 48}
